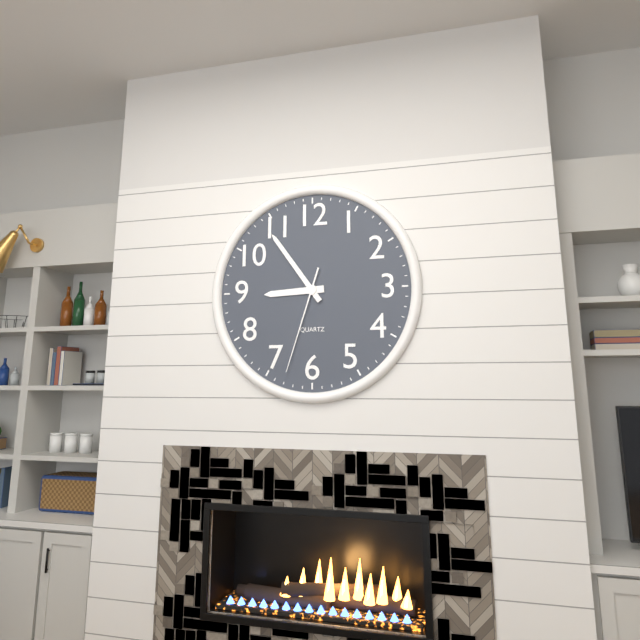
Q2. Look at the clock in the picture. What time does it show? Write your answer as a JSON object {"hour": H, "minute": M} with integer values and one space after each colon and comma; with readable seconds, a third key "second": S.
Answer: {"hour": 8, "minute": 54, "second": 33}
